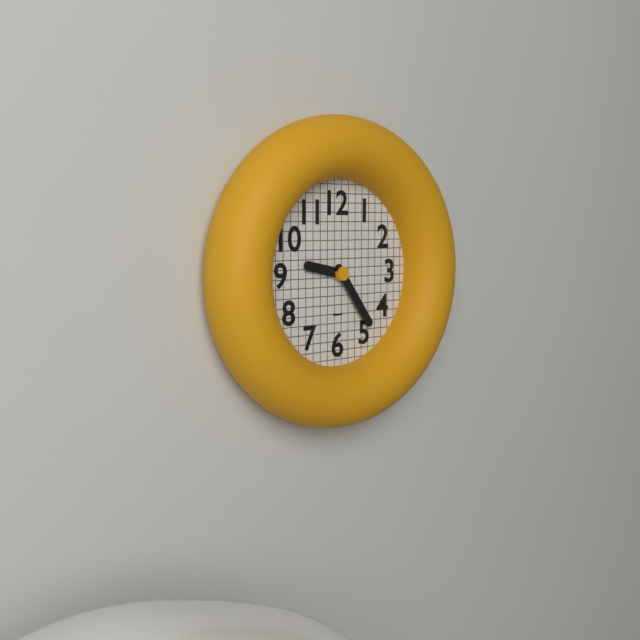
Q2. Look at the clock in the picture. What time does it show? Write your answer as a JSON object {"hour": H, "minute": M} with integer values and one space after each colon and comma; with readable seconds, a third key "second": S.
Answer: {"hour": 9, "minute": 24}
